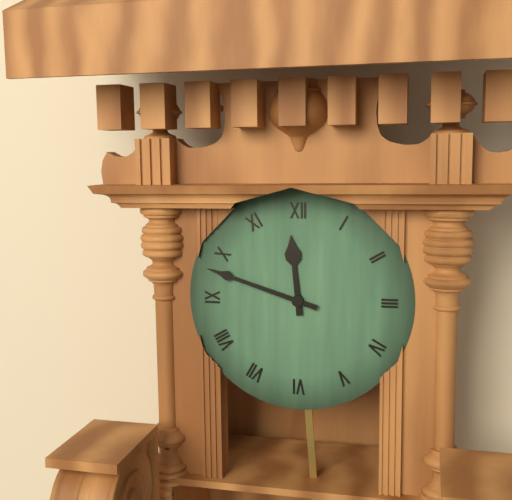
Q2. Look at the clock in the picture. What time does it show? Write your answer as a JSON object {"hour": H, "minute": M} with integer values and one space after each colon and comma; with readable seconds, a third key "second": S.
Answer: {"hour": 11, "minute": 48}
